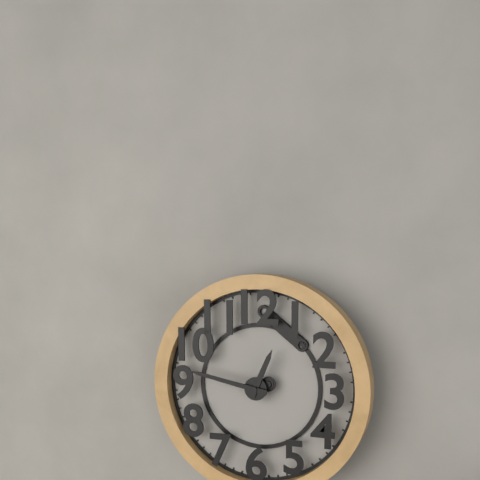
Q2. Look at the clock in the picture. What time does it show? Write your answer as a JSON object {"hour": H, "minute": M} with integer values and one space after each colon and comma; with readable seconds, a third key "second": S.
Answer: {"hour": 12, "minute": 47}
